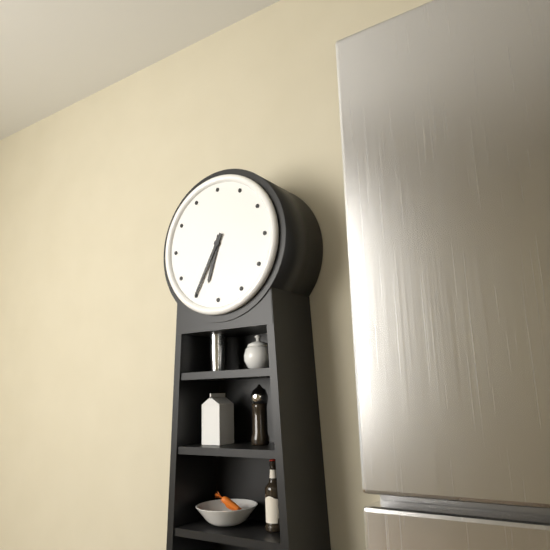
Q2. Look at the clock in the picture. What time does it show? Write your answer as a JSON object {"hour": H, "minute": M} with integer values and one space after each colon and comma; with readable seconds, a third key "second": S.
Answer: {"hour": 6, "minute": 35}
